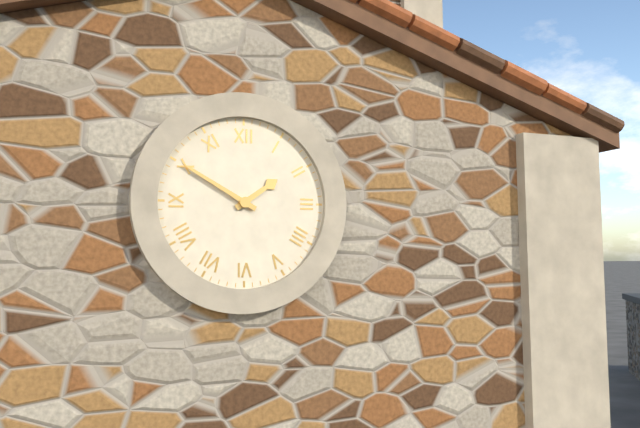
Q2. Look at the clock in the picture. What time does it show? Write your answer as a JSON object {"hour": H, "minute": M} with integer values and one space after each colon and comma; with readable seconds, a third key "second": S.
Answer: {"hour": 1, "minute": 50}
